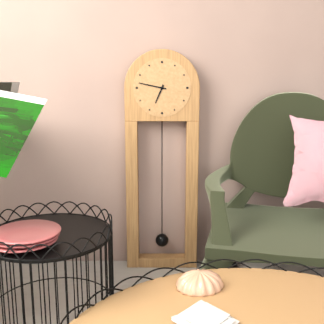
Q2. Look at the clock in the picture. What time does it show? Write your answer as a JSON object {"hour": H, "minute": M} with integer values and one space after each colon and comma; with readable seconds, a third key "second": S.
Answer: {"hour": 6, "minute": 47}
